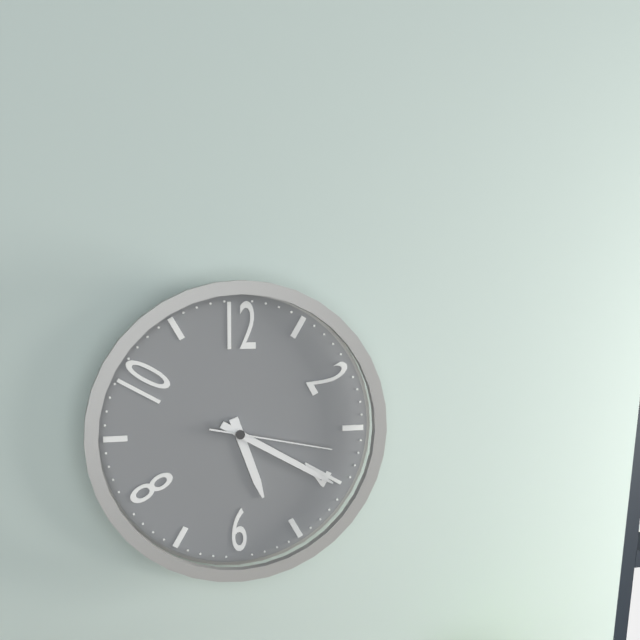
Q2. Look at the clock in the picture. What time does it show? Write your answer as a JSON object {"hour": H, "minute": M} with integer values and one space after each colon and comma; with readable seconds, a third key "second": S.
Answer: {"hour": 5, "minute": 20, "second": 17}
